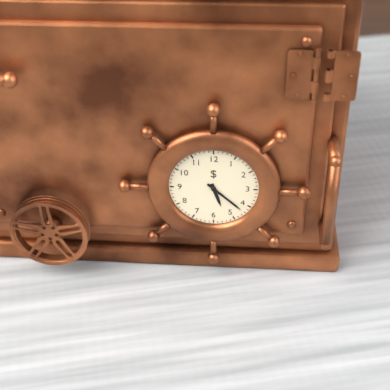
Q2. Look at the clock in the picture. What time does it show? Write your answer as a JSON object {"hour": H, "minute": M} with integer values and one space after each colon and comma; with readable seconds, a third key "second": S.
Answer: {"hour": 5, "minute": 22}
